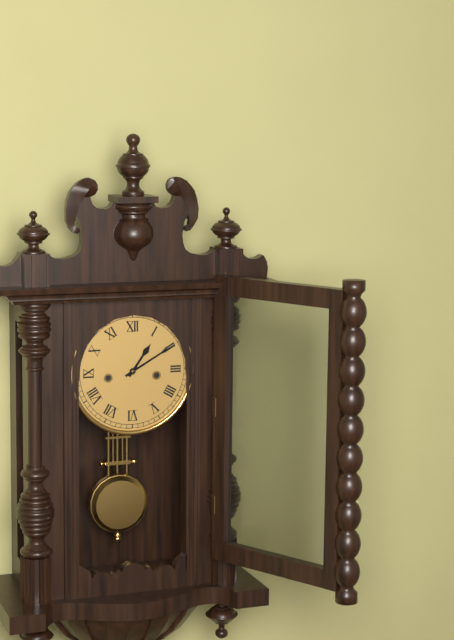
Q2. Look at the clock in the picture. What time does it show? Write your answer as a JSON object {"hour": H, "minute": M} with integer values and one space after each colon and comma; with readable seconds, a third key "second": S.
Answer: {"hour": 1, "minute": 10}
